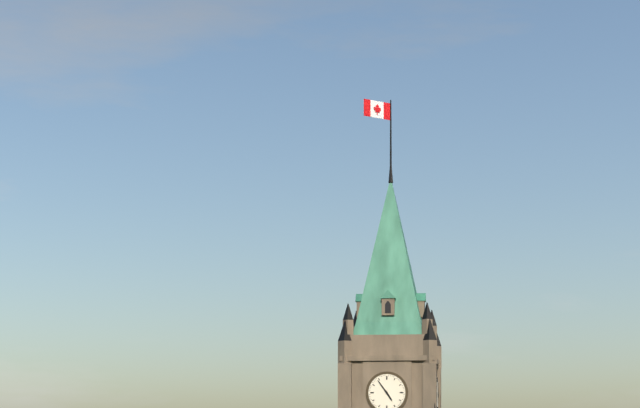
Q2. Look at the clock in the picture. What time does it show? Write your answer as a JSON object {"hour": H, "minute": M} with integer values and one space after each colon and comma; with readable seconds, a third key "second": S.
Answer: {"hour": 4, "minute": 54}
